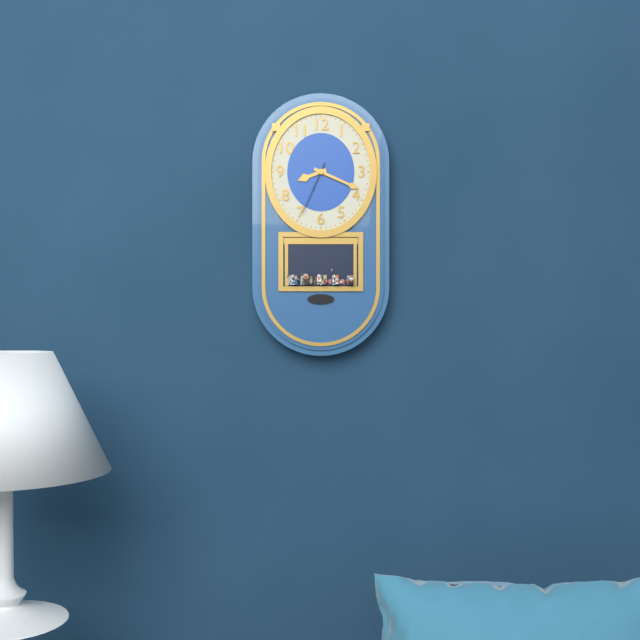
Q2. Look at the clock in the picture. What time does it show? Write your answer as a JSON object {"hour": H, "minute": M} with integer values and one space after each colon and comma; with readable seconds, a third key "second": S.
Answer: {"hour": 8, "minute": 19, "second": 34}
